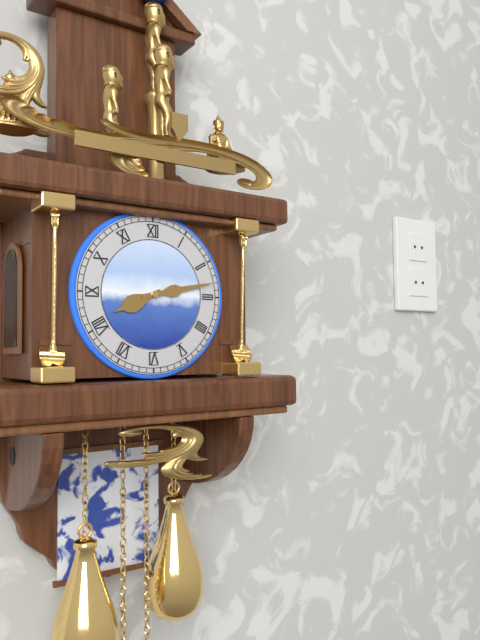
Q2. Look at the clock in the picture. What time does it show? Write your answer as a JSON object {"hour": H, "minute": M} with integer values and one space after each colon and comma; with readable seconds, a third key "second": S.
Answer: {"hour": 8, "minute": 13}
